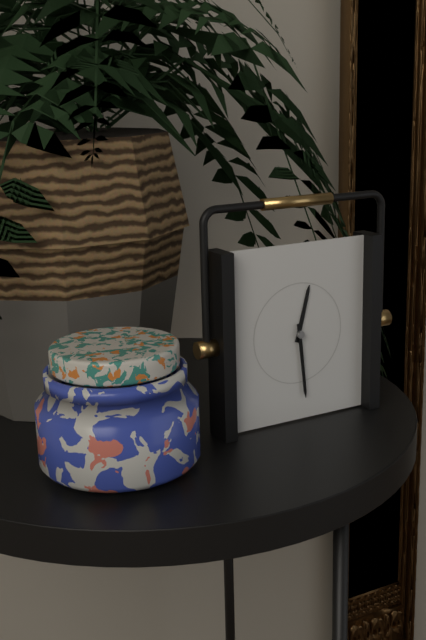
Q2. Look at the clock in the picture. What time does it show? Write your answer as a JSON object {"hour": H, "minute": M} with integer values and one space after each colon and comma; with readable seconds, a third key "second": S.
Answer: {"hour": 12, "minute": 29}
